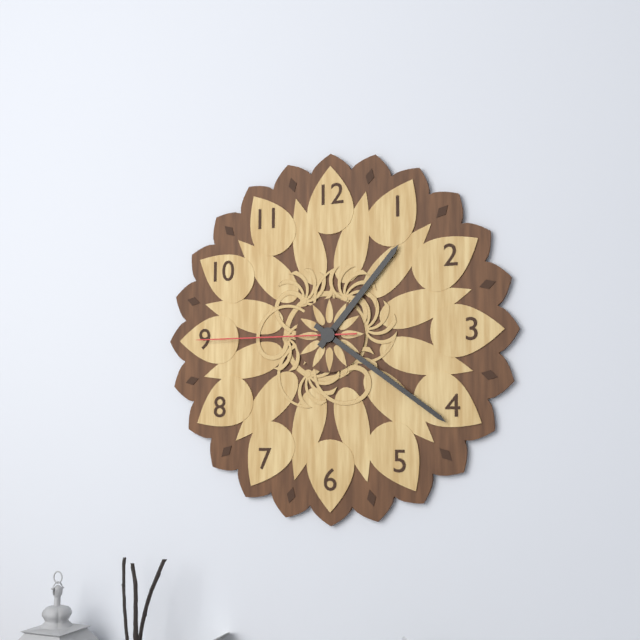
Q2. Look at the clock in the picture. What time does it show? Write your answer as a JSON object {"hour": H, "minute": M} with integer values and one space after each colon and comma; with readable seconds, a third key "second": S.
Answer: {"hour": 1, "minute": 21, "second": 45}
